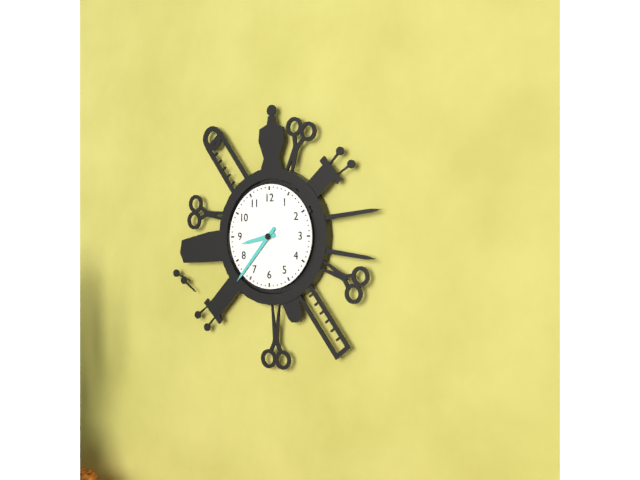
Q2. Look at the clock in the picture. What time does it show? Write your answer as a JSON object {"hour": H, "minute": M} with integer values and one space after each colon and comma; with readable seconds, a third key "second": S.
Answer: {"hour": 8, "minute": 37}
